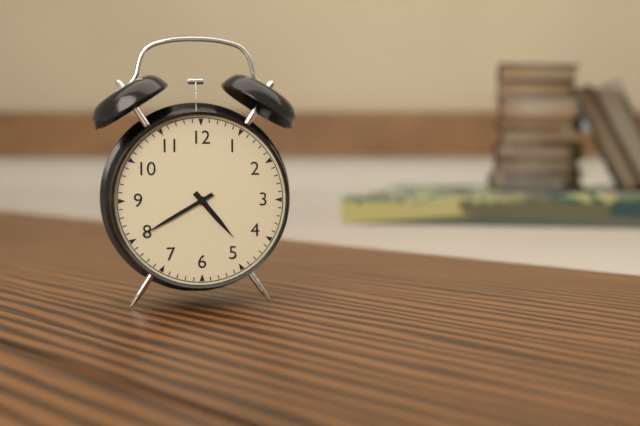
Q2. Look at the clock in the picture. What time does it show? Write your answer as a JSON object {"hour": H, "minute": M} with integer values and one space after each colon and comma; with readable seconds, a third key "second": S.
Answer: {"hour": 4, "minute": 40}
